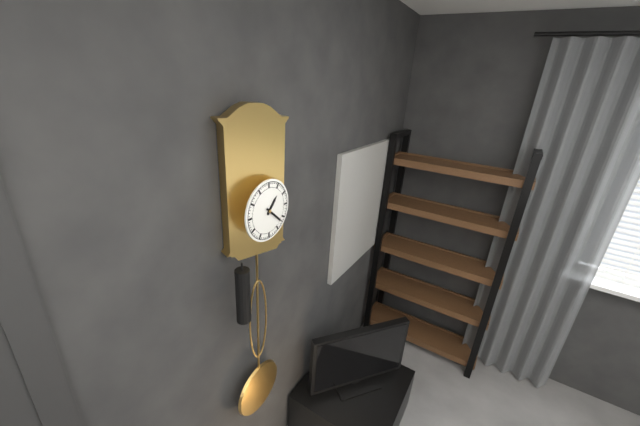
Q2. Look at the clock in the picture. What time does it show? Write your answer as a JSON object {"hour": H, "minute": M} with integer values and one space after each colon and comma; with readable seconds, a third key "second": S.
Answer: {"hour": 1, "minute": 22}
